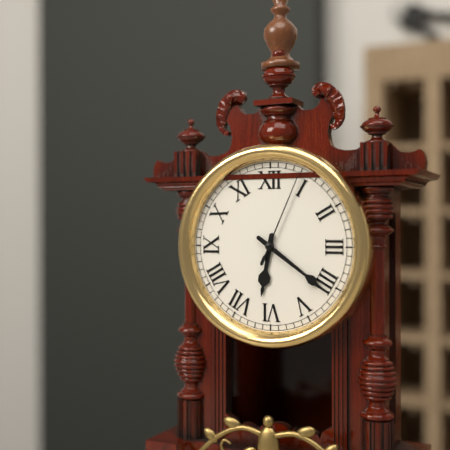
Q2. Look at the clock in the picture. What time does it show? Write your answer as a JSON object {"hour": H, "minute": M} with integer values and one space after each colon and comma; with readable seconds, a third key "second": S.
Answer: {"hour": 6, "minute": 21, "second": 4}
